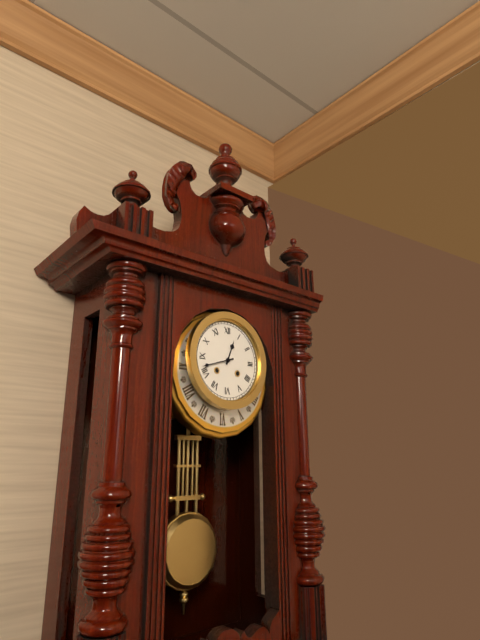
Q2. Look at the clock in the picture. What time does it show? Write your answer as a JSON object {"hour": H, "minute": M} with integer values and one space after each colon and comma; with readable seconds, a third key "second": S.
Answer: {"hour": 12, "minute": 42}
